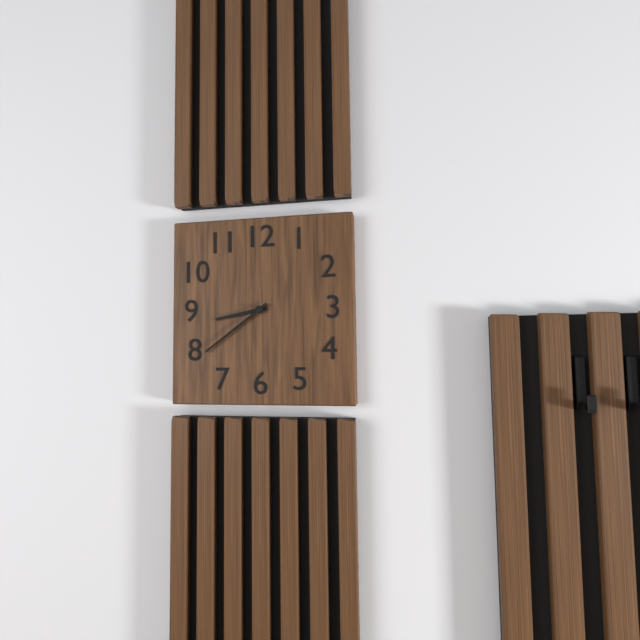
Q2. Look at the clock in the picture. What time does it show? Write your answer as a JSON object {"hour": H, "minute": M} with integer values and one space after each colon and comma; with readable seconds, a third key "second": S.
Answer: {"hour": 8, "minute": 39}
